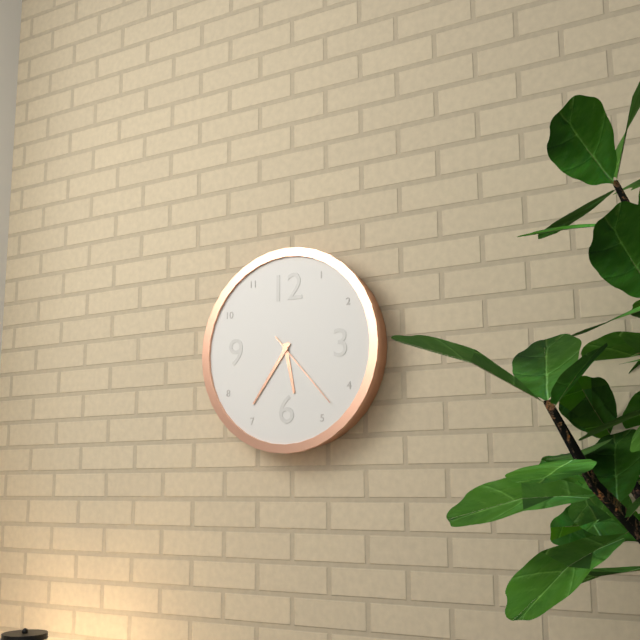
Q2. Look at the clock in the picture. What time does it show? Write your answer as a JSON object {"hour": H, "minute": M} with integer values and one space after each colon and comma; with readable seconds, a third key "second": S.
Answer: {"hour": 5, "minute": 36, "second": 23}
